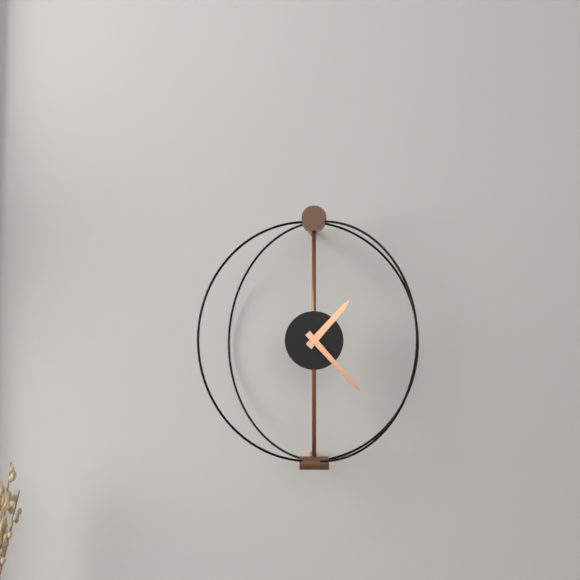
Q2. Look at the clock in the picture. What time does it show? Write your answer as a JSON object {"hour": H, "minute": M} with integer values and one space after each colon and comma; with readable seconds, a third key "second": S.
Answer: {"hour": 1, "minute": 23}
